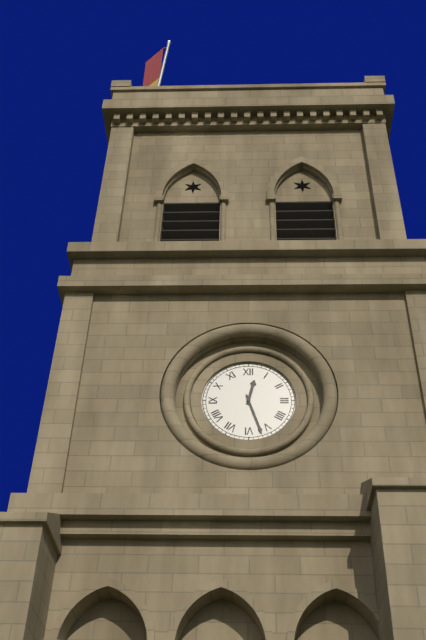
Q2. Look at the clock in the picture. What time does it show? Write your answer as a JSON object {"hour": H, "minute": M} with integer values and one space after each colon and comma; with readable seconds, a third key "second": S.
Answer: {"hour": 12, "minute": 27}
